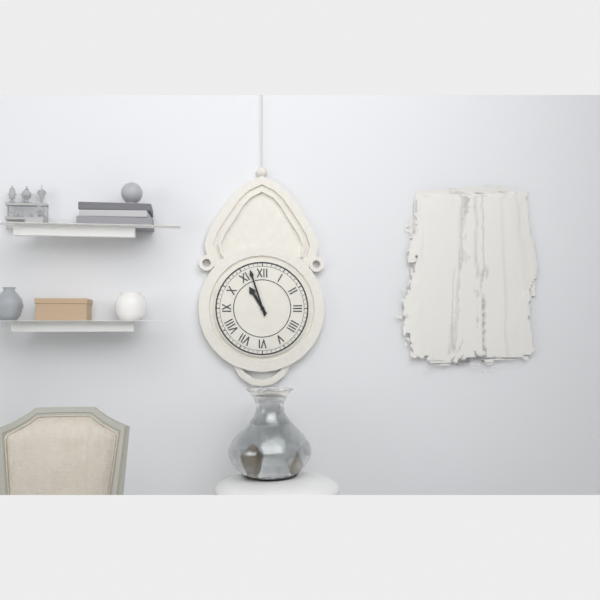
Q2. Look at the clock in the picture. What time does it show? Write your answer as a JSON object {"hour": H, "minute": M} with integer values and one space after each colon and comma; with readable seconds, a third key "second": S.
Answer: {"hour": 10, "minute": 57}
